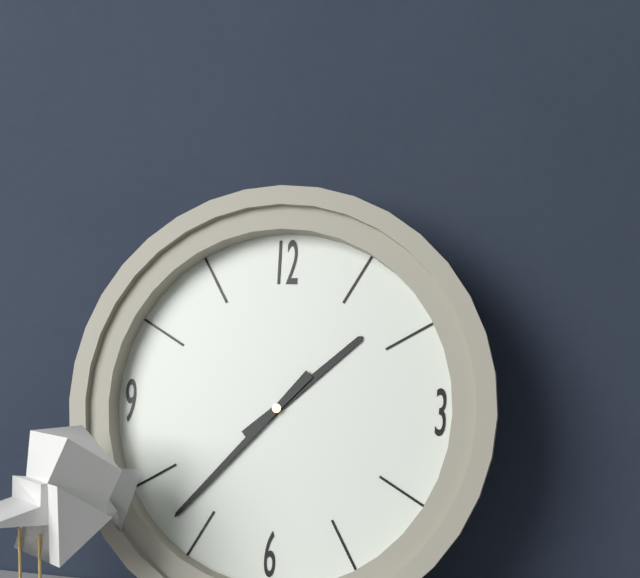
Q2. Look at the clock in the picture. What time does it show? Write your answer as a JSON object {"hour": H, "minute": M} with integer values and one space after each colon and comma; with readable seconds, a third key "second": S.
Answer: {"hour": 1, "minute": 37}
